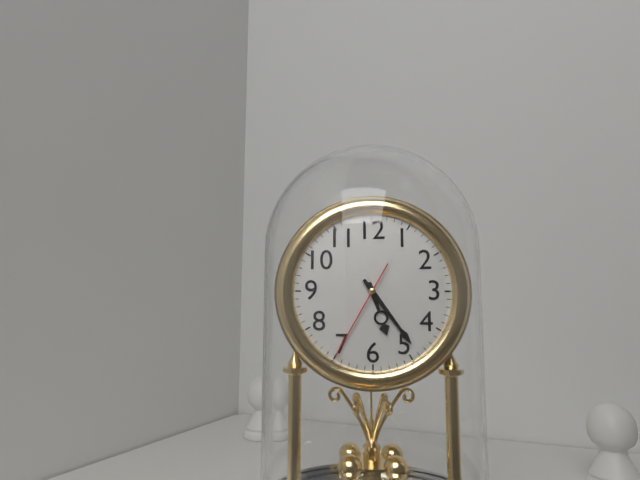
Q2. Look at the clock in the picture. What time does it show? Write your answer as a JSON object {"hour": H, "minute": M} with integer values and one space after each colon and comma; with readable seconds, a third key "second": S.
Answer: {"hour": 5, "minute": 24, "second": 35}
